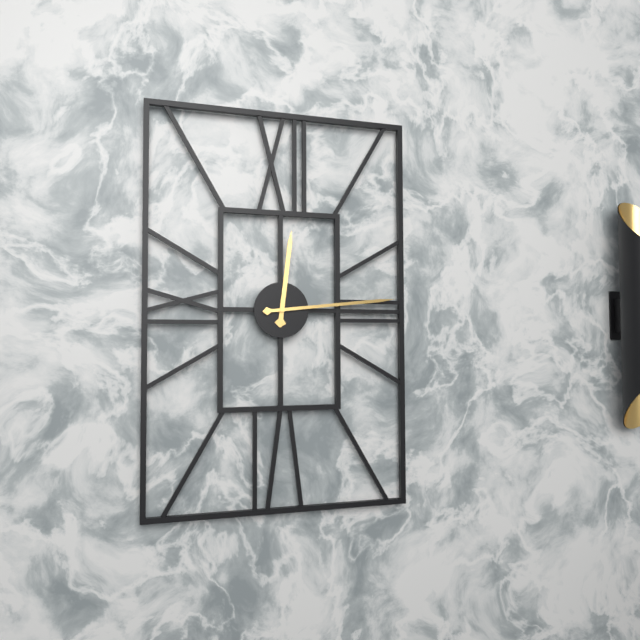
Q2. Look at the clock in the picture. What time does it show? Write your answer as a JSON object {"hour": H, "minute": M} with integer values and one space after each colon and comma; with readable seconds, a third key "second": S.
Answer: {"hour": 12, "minute": 14}
